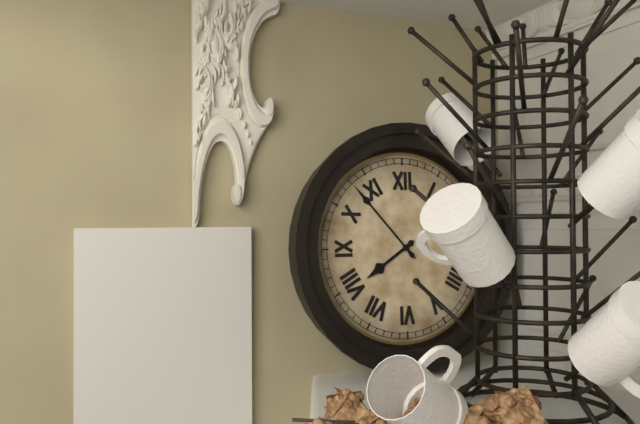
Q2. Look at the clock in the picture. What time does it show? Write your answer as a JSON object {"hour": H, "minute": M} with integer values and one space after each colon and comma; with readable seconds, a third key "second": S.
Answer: {"hour": 7, "minute": 53}
